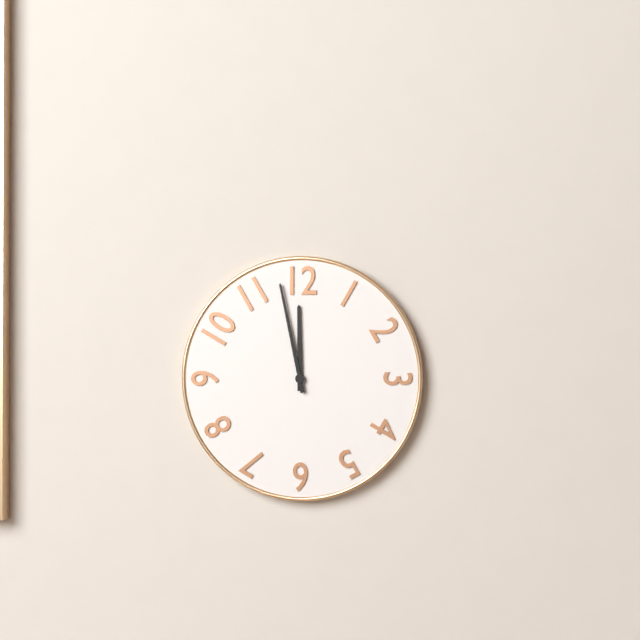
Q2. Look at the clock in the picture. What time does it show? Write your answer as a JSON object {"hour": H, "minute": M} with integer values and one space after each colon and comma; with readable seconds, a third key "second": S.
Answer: {"hour": 11, "minute": 58}
